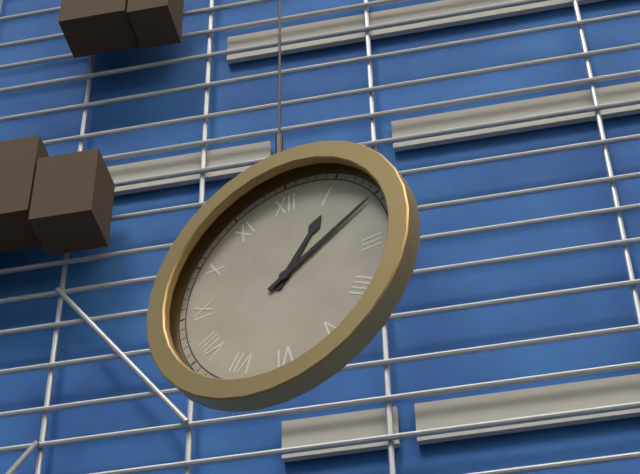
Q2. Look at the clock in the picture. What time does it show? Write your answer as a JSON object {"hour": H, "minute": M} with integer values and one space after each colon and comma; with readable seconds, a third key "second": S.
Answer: {"hour": 1, "minute": 10}
